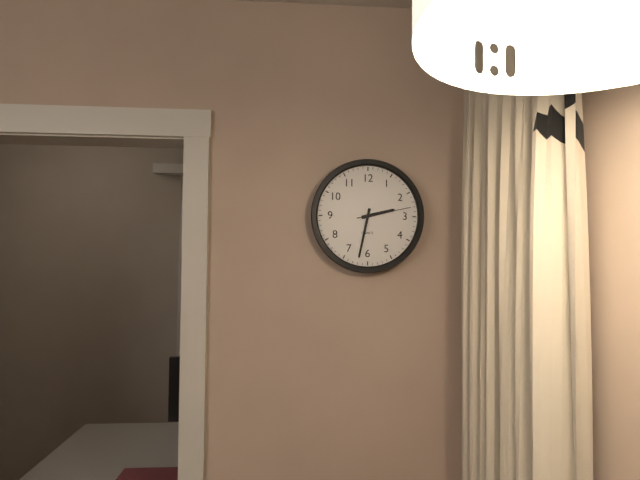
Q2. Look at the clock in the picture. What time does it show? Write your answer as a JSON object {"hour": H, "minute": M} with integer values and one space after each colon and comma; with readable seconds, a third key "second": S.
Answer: {"hour": 2, "minute": 32, "second": 13}
